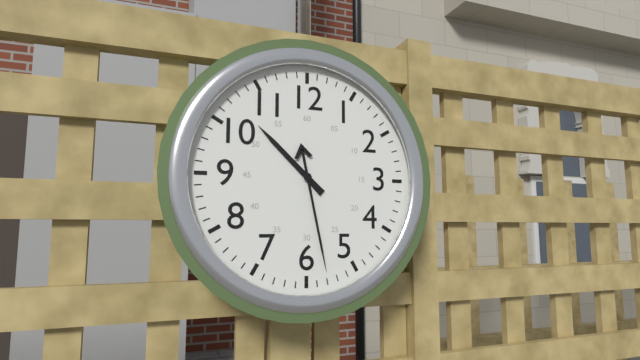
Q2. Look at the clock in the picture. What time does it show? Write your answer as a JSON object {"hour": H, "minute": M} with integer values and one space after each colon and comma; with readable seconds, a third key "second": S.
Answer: {"hour": 10, "minute": 28}
